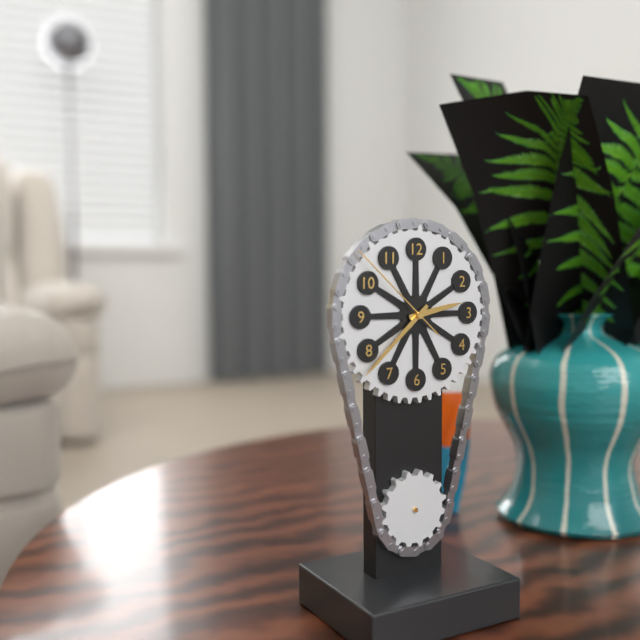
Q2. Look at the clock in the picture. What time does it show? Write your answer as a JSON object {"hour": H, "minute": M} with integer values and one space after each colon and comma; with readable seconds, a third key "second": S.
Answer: {"hour": 2, "minute": 38, "second": 52}
